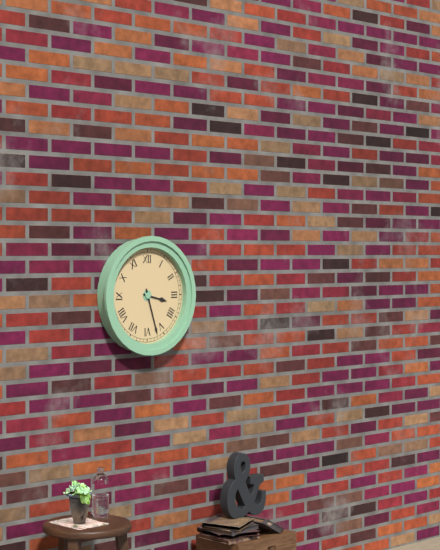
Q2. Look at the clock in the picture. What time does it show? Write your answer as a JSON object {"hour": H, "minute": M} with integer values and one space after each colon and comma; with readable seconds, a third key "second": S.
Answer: {"hour": 3, "minute": 27}
